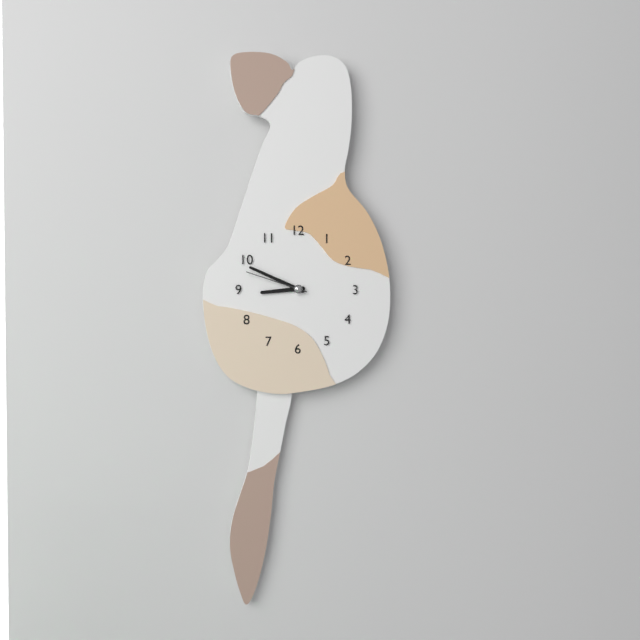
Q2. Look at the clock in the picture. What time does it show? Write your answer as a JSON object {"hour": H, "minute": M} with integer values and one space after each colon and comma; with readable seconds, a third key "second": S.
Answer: {"hour": 8, "minute": 49, "second": 48}
